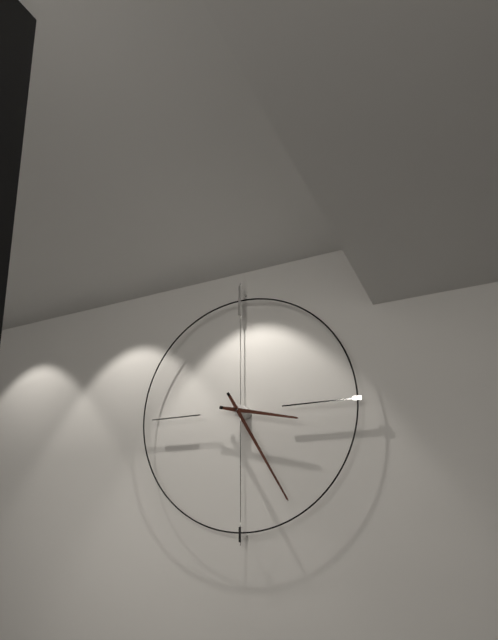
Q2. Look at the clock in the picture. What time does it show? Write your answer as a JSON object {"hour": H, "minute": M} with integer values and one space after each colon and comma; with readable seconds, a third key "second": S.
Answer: {"hour": 3, "minute": 25}
